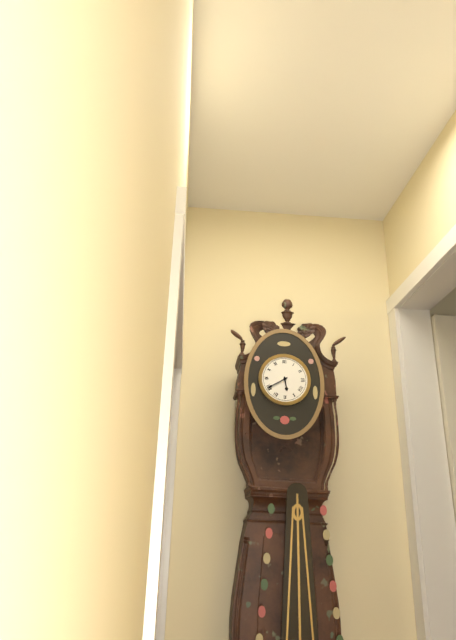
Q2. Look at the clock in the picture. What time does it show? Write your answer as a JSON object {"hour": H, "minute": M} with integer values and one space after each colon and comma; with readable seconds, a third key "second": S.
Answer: {"hour": 5, "minute": 40}
